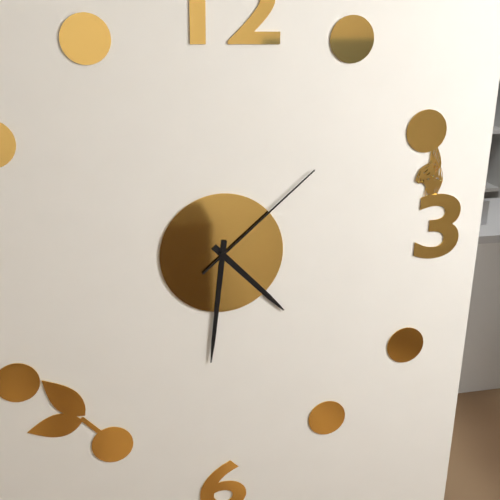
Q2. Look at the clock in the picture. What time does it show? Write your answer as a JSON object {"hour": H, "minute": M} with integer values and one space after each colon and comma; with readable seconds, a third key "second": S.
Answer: {"hour": 4, "minute": 31, "second": 8}
